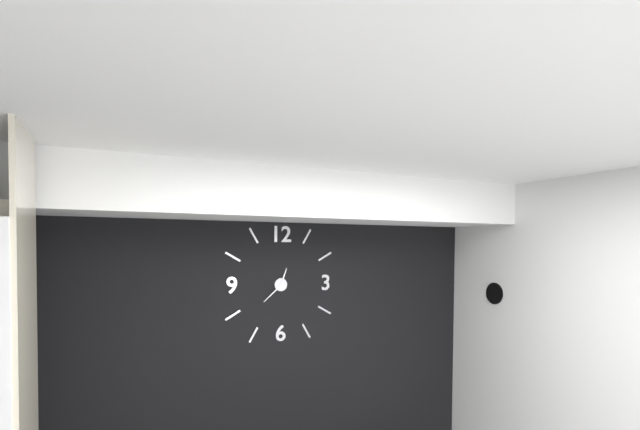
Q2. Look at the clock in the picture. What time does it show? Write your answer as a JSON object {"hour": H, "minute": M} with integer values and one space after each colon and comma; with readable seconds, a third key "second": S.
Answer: {"hour": 12, "minute": 38}
